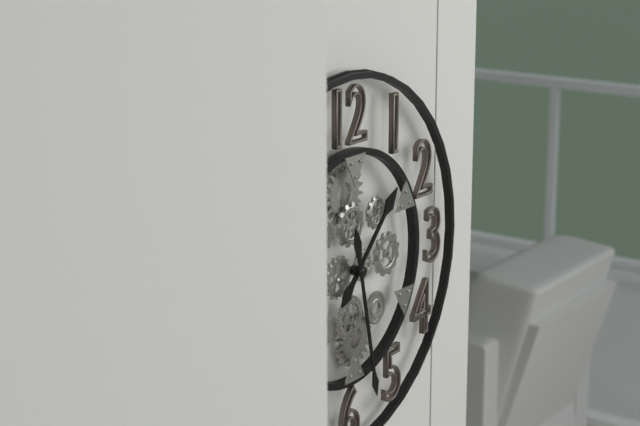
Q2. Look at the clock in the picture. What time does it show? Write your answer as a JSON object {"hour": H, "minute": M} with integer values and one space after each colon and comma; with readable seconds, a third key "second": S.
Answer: {"hour": 1, "minute": 28}
